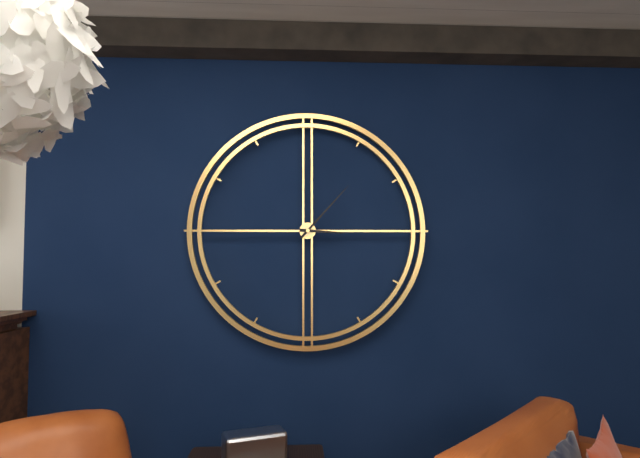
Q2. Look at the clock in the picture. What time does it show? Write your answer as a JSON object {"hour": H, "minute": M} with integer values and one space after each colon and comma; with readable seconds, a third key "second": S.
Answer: {"hour": 3, "minute": 7}
